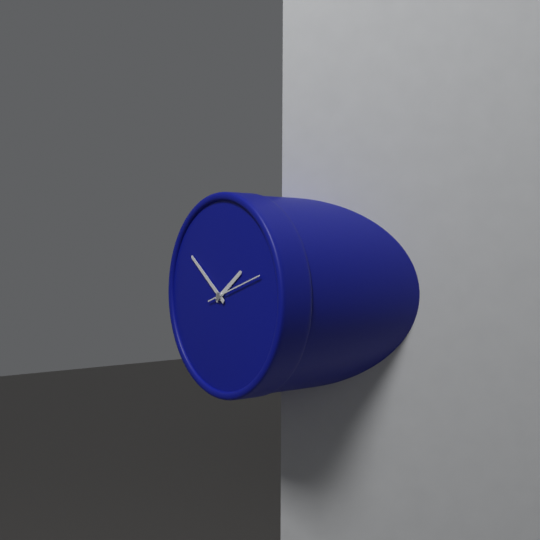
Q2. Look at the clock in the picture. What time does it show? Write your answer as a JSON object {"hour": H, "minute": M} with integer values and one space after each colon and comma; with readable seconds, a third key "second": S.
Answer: {"hour": 1, "minute": 51, "second": 12}
